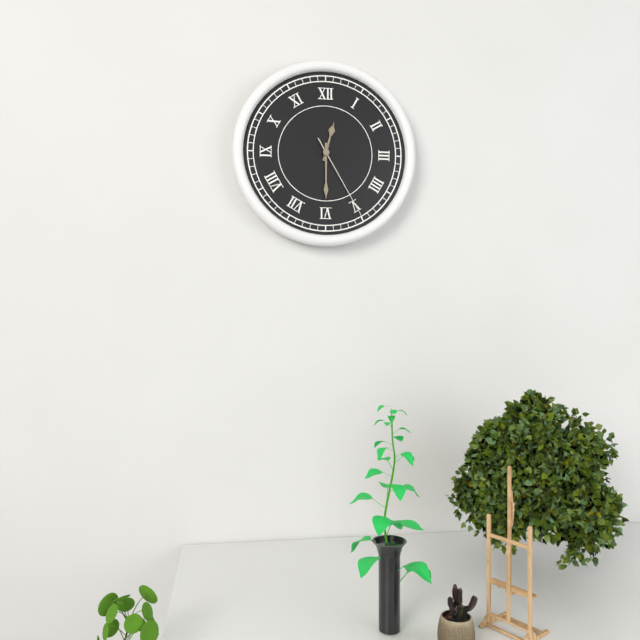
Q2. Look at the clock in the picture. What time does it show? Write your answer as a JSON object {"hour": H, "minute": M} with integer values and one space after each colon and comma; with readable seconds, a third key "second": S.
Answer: {"hour": 12, "minute": 30, "second": 25}
